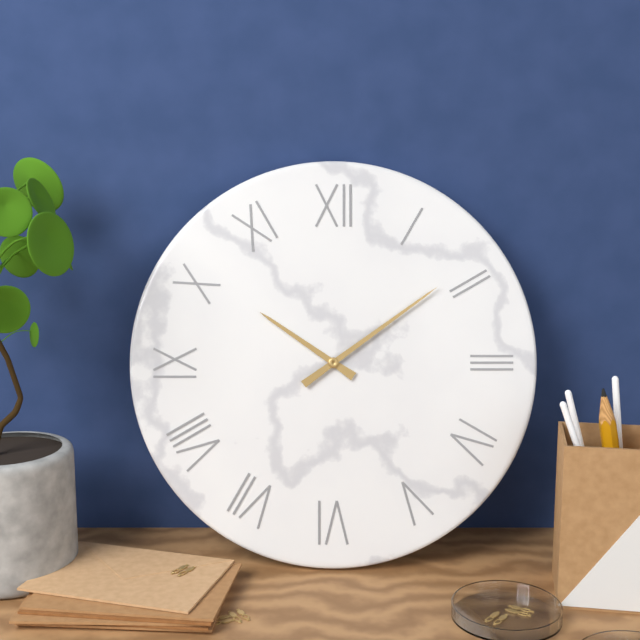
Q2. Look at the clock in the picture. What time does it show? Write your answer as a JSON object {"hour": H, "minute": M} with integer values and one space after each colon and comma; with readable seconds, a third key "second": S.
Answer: {"hour": 10, "minute": 9}
